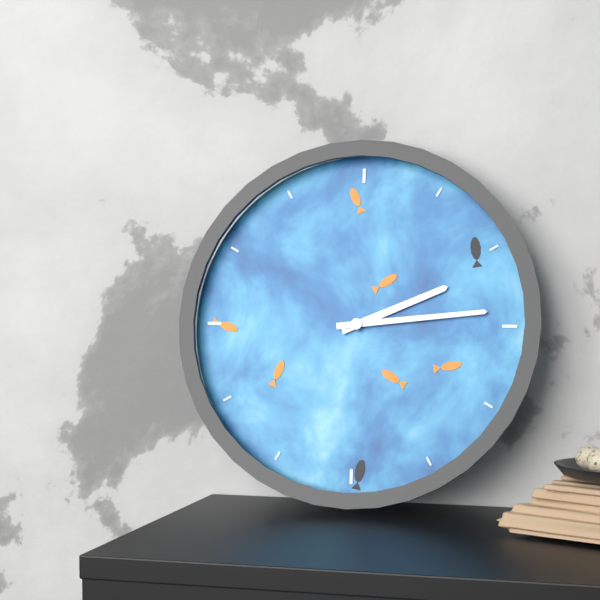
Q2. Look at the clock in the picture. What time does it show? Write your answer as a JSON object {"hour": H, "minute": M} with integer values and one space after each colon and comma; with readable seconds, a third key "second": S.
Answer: {"hour": 2, "minute": 14}
